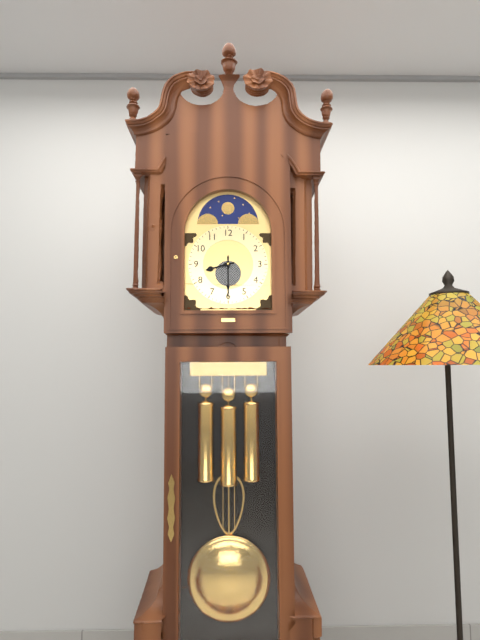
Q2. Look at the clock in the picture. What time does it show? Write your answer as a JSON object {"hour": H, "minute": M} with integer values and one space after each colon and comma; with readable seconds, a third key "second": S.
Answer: {"hour": 8, "minute": 30}
